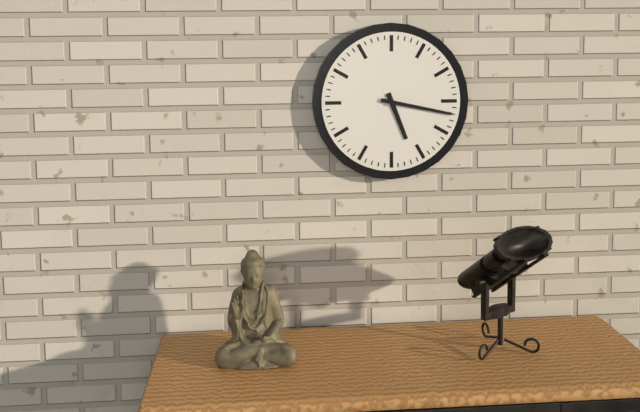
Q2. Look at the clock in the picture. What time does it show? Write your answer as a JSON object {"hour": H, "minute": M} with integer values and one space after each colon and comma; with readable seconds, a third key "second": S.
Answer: {"hour": 5, "minute": 17}
